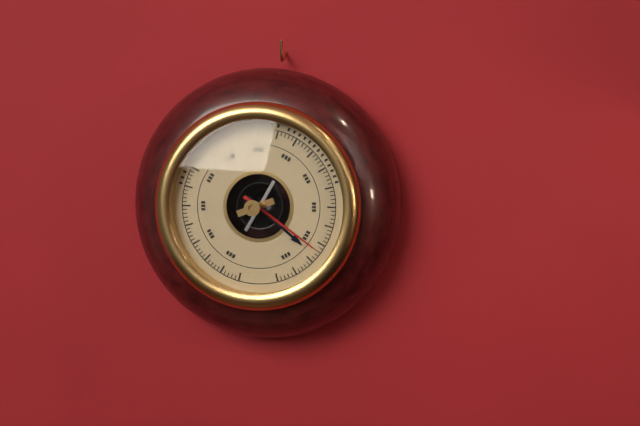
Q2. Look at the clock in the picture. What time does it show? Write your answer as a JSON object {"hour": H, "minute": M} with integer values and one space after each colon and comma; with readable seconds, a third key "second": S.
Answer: {"hour": 4, "minute": 21}
